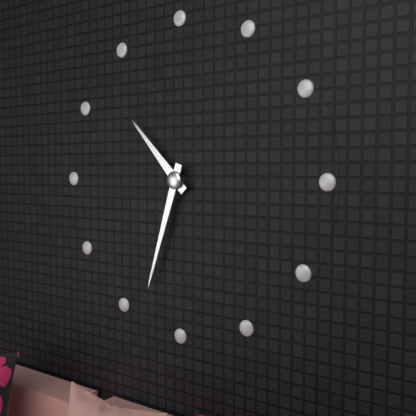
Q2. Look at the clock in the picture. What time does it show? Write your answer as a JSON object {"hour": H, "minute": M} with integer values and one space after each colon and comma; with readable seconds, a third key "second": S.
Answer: {"hour": 10, "minute": 33}
